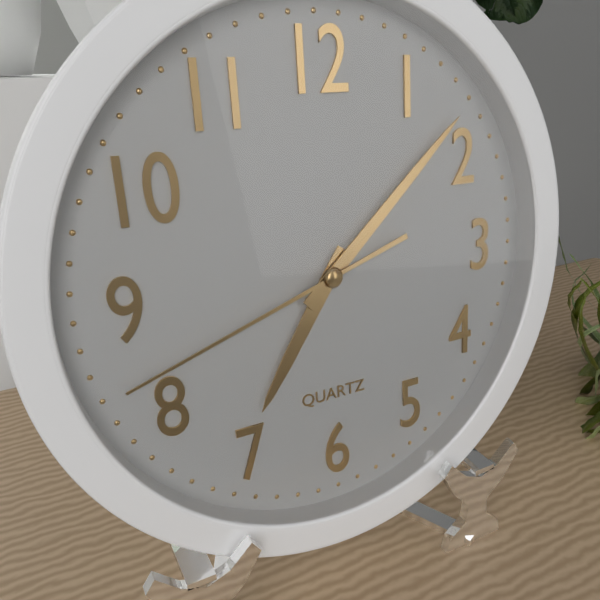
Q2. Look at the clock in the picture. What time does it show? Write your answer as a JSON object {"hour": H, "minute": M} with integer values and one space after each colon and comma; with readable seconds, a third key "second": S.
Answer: {"hour": 7, "minute": 8, "second": 42}
